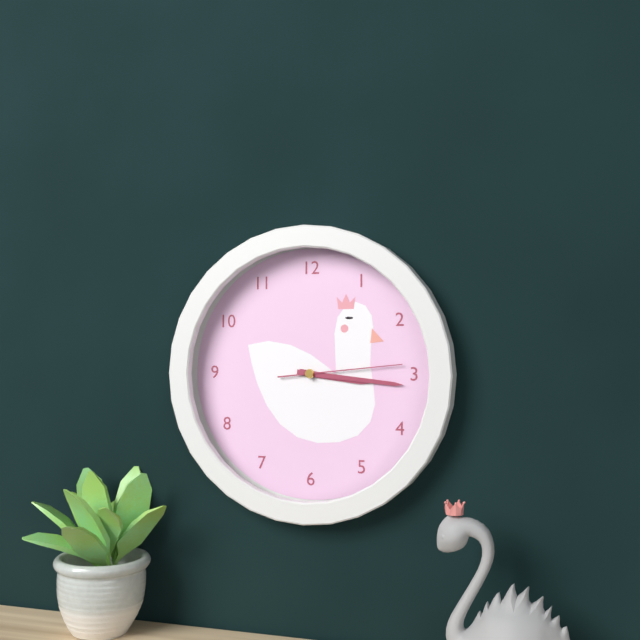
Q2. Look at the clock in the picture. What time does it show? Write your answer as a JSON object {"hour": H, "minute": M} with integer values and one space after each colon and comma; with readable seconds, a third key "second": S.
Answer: {"hour": 3, "minute": 16, "second": 14}
